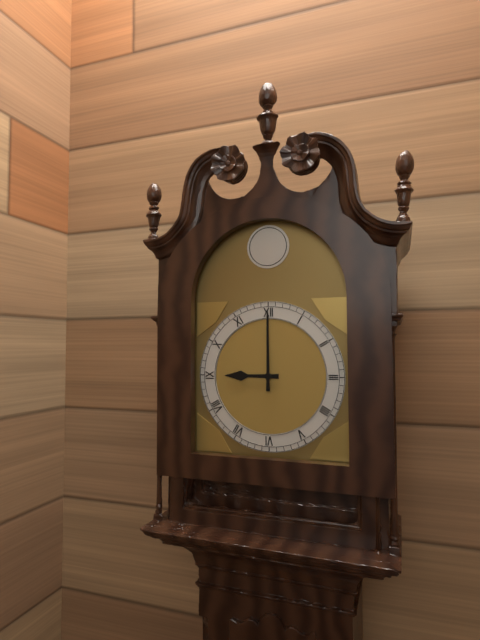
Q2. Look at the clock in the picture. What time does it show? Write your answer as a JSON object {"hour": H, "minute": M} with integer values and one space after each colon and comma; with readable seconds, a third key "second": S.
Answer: {"hour": 9, "minute": 0}
